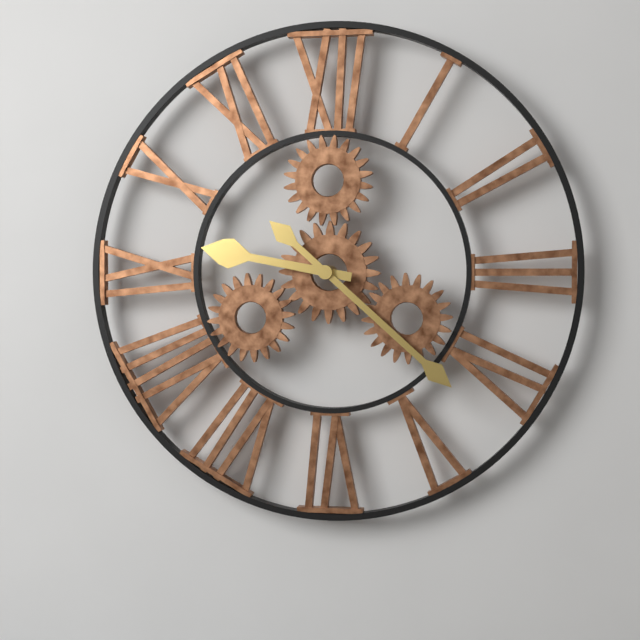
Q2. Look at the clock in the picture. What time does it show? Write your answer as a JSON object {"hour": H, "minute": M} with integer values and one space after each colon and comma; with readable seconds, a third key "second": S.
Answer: {"hour": 9, "minute": 22}
